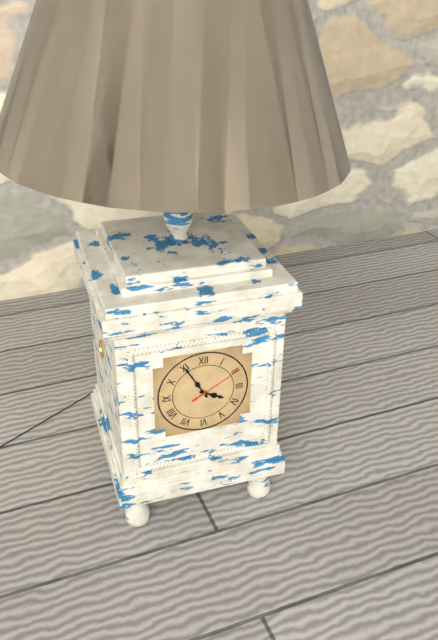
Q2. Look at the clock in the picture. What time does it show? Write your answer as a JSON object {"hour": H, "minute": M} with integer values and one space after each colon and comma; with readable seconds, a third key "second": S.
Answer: {"hour": 3, "minute": 55, "second": 10}
